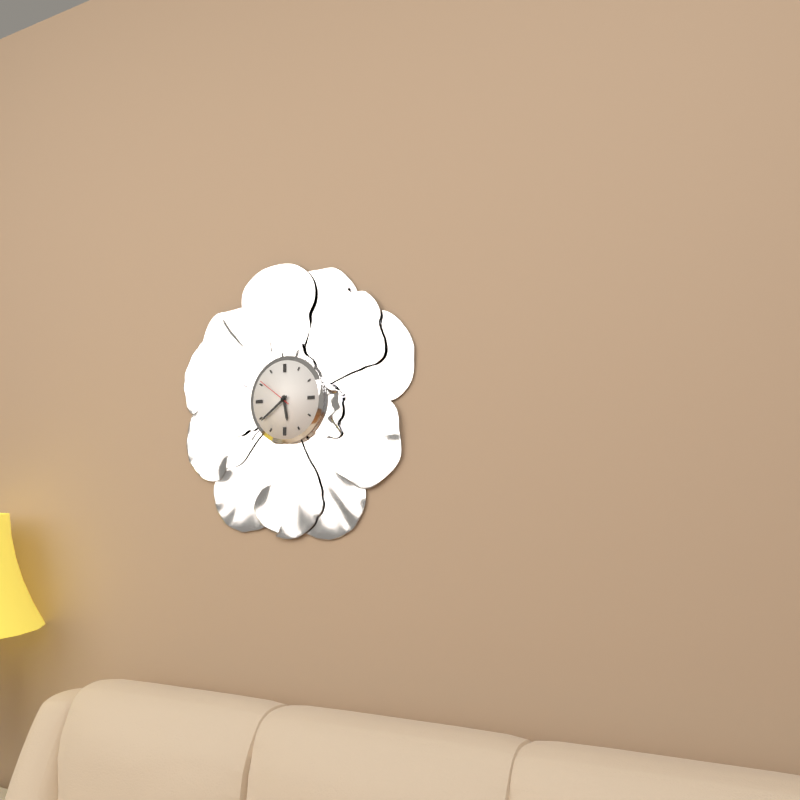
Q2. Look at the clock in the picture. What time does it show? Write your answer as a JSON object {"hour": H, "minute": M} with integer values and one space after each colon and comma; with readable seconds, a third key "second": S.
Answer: {"hour": 5, "minute": 39}
